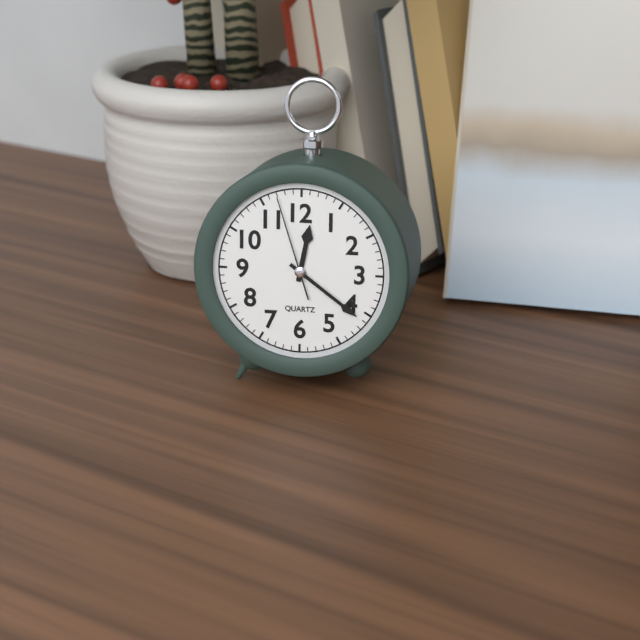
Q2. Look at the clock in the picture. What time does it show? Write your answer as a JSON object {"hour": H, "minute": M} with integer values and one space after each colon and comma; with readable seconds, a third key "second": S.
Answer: {"hour": 12, "minute": 21, "second": 57}
